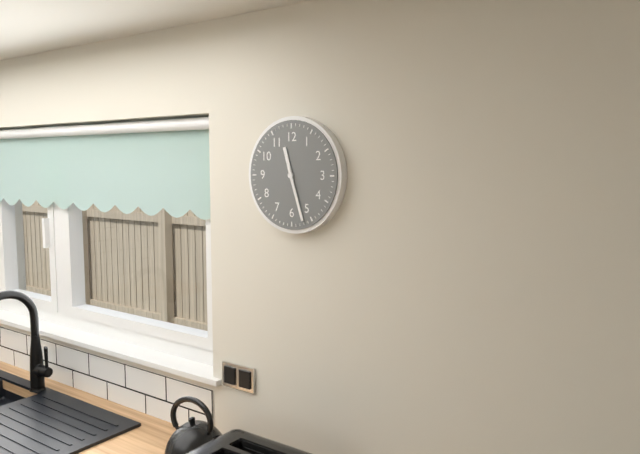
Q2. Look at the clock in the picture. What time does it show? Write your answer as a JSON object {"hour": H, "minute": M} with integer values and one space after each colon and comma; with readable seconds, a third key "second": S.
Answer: {"hour": 11, "minute": 27}
